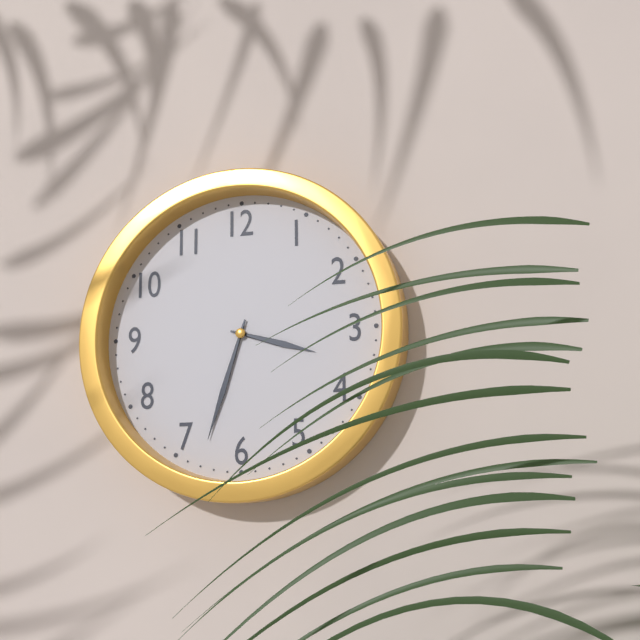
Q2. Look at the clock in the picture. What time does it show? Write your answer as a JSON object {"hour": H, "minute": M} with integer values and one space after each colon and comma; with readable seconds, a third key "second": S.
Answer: {"hour": 3, "minute": 33}
